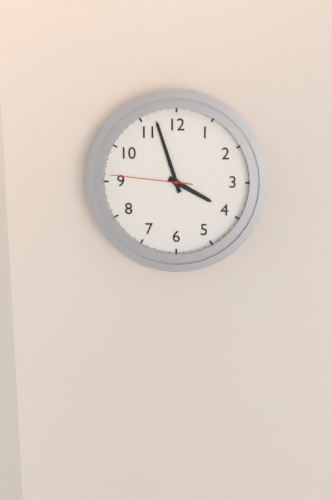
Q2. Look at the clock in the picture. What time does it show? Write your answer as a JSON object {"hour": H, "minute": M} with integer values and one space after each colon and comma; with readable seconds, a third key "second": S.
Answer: {"hour": 3, "minute": 57, "second": 46}
